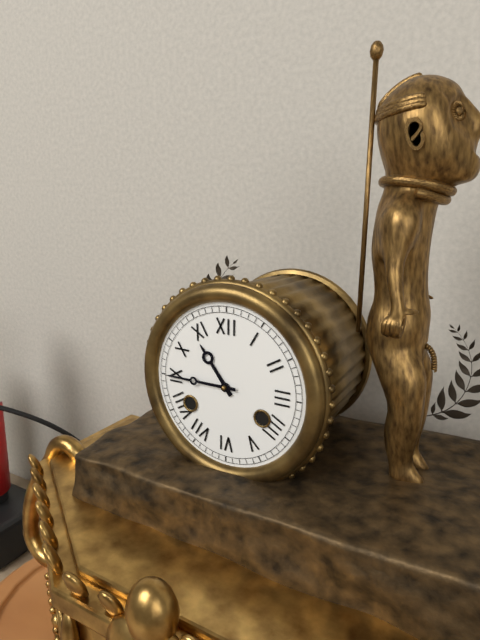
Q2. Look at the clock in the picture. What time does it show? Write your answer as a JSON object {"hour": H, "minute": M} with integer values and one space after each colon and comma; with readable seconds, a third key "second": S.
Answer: {"hour": 10, "minute": 45}
